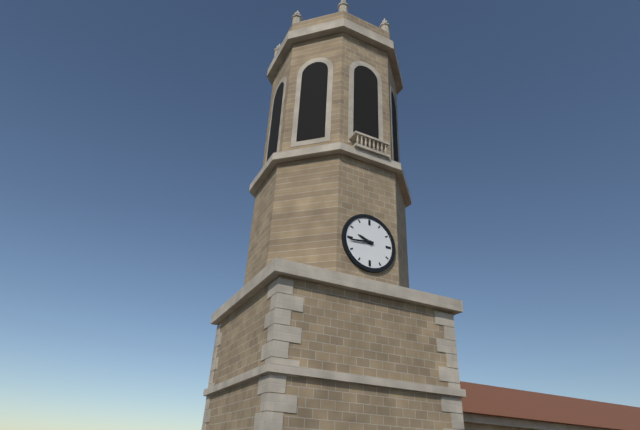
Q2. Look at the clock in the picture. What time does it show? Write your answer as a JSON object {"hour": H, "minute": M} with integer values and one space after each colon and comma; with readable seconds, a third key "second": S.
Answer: {"hour": 9, "minute": 44}
